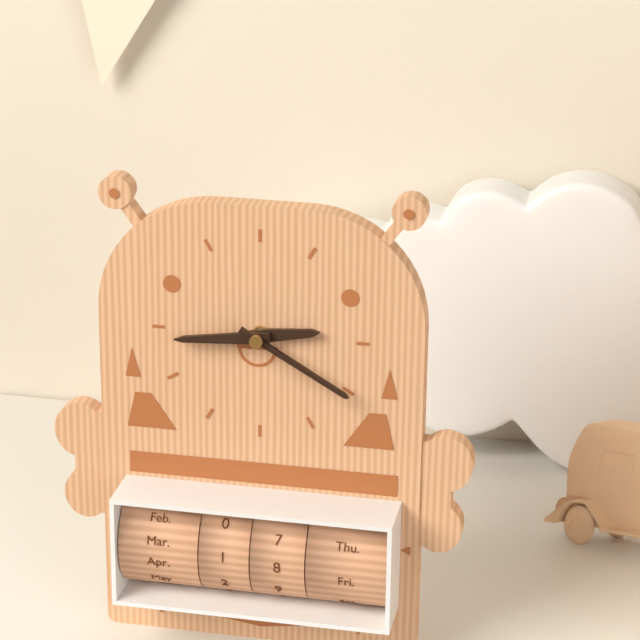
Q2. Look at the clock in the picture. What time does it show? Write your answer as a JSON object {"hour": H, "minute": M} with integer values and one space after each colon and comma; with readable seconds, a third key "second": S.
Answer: {"hour": 2, "minute": 44, "second": 20}
